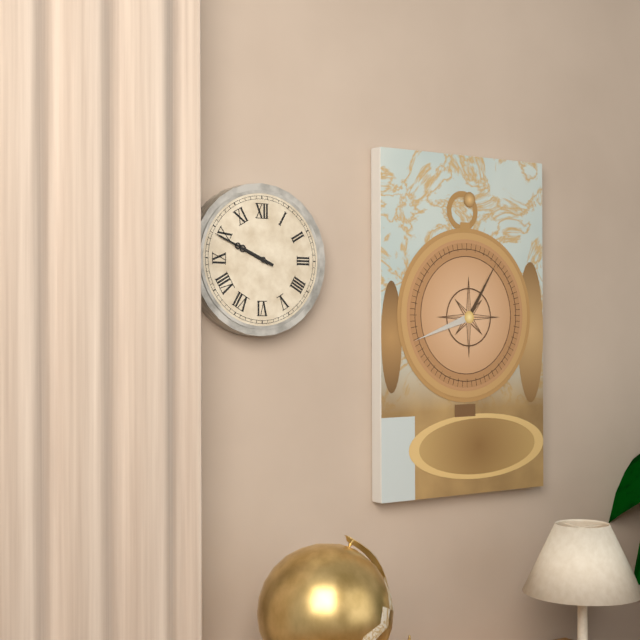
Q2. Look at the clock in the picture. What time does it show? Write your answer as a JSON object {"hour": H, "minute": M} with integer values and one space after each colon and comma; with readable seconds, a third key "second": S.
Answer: {"hour": 9, "minute": 49}
